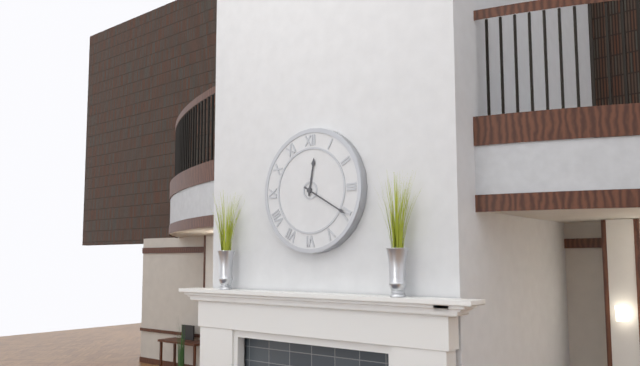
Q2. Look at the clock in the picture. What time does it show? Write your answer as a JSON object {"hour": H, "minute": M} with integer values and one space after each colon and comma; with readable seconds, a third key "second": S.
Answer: {"hour": 12, "minute": 20}
